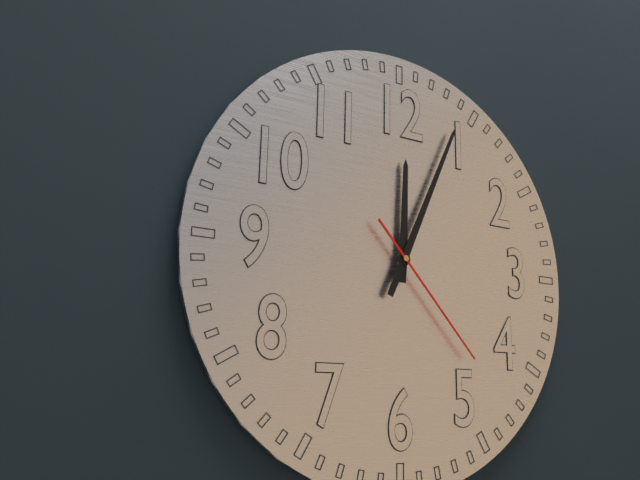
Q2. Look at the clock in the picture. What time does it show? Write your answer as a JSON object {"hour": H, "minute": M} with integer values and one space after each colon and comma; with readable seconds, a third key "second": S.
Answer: {"hour": 12, "minute": 4, "second": 23}
